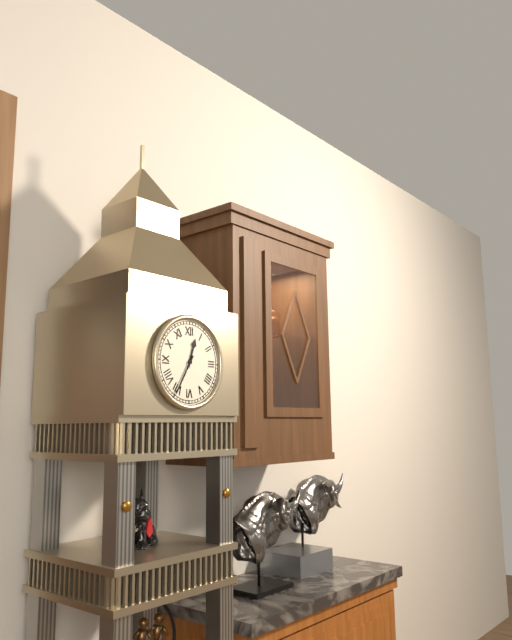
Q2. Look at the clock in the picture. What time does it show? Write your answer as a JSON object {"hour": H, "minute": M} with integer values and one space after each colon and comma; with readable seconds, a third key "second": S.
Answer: {"hour": 12, "minute": 35}
